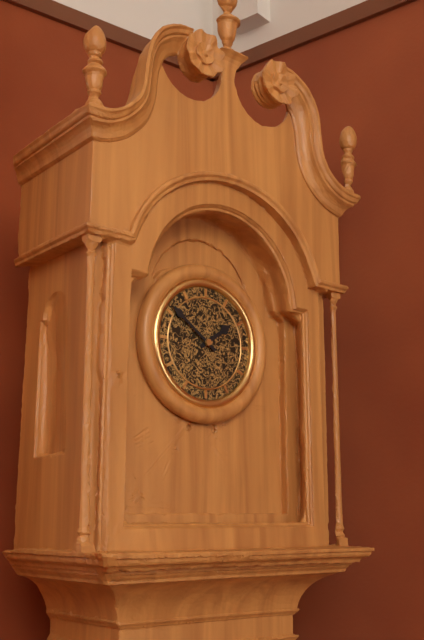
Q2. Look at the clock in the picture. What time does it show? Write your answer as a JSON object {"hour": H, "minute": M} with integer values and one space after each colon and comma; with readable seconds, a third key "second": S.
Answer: {"hour": 1, "minute": 51}
